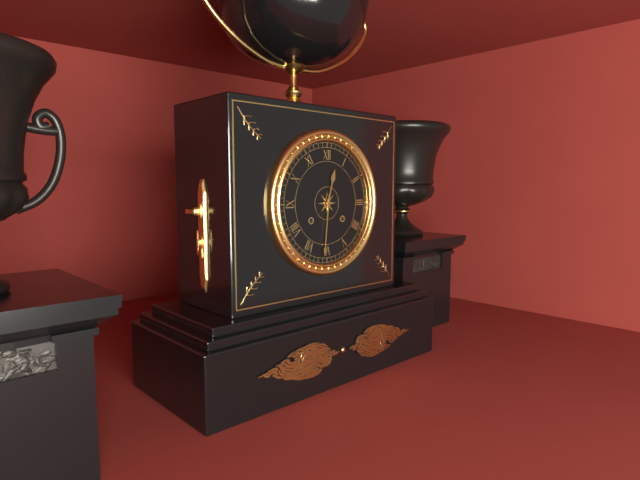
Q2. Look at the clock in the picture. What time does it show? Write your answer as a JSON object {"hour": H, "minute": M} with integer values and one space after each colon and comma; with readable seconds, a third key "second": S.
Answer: {"hour": 12, "minute": 31}
